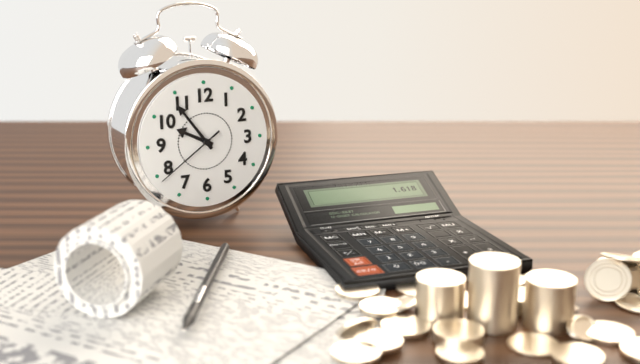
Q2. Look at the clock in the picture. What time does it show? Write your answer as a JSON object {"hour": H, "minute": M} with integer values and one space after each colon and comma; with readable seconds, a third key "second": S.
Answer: {"hour": 9, "minute": 54, "second": 39}
